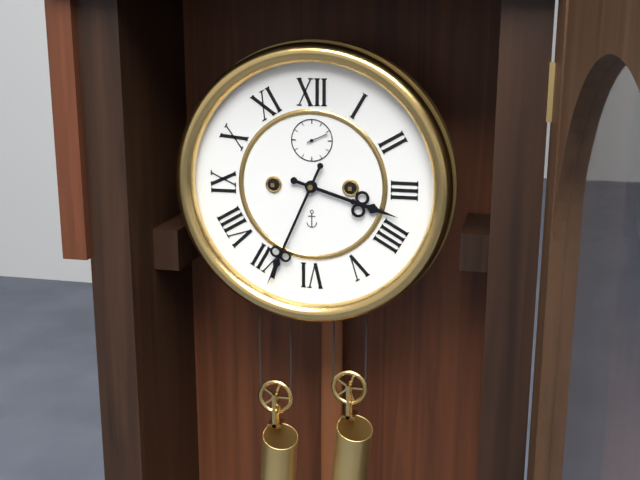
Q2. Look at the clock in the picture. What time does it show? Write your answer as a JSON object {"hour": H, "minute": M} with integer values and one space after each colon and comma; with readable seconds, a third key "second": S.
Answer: {"hour": 3, "minute": 34}
